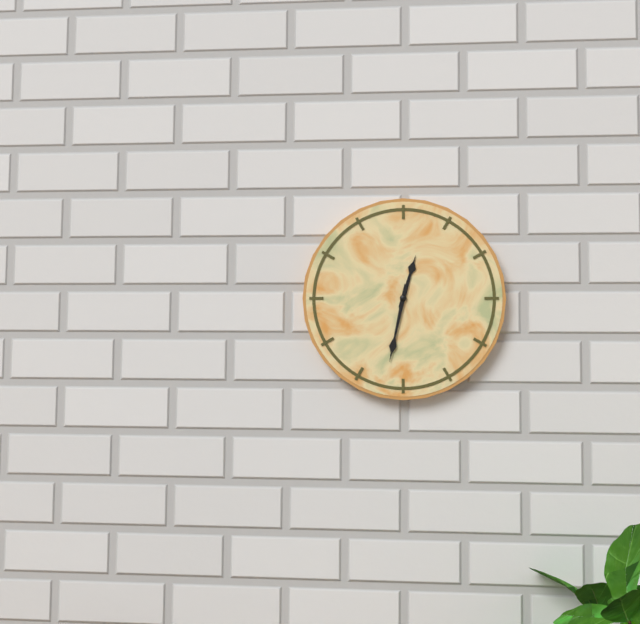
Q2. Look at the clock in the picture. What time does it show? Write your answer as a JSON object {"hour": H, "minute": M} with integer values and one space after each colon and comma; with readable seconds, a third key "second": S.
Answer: {"hour": 12, "minute": 32}
